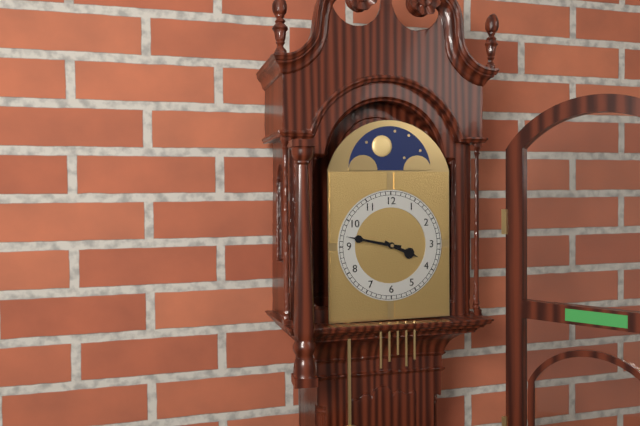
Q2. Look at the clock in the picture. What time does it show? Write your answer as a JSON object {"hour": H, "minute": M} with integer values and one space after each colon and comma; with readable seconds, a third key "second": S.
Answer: {"hour": 3, "minute": 47}
